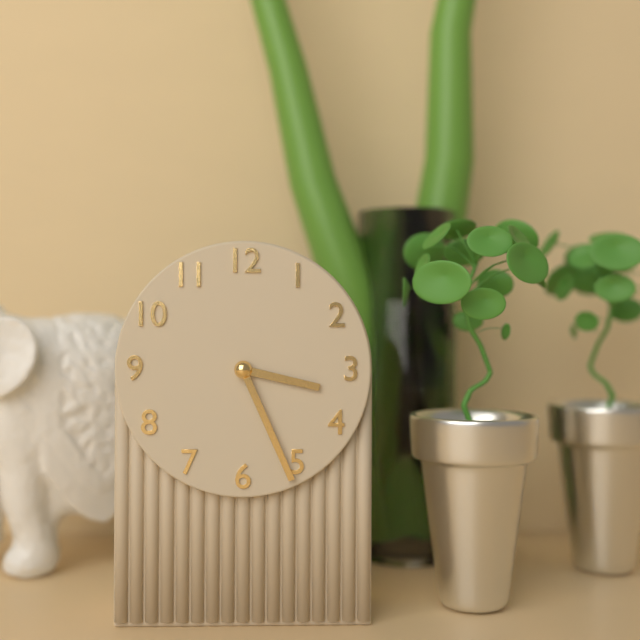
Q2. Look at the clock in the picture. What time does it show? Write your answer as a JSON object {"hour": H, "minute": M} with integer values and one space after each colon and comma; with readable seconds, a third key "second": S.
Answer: {"hour": 3, "minute": 26}
